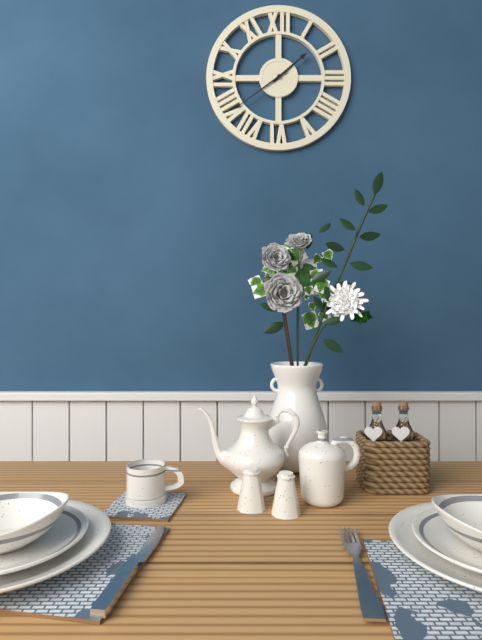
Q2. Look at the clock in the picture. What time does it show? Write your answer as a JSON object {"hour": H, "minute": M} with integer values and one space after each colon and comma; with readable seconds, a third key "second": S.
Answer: {"hour": 1, "minute": 39}
